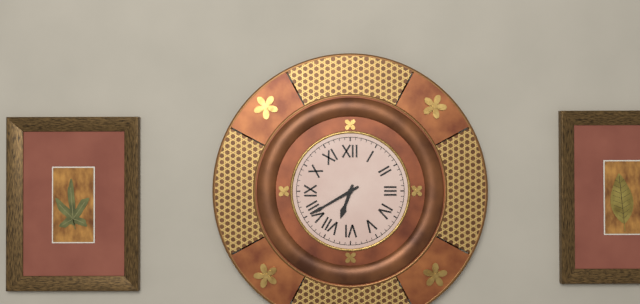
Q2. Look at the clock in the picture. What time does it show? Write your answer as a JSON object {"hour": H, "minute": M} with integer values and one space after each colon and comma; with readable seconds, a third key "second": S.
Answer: {"hour": 6, "minute": 40}
